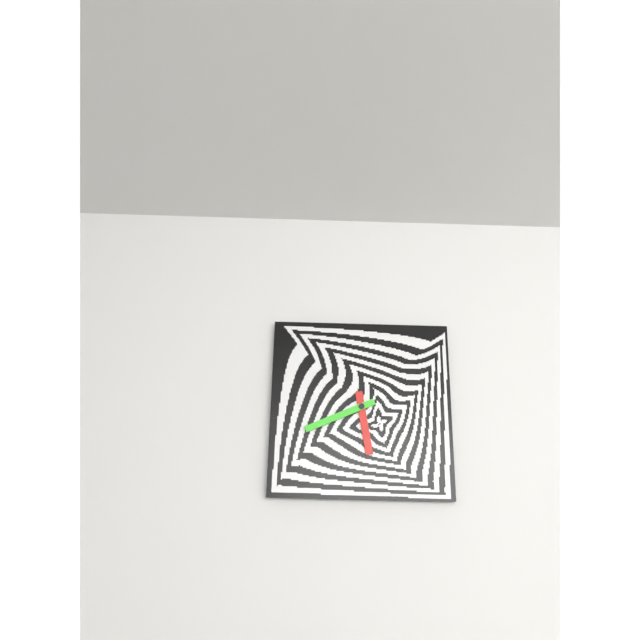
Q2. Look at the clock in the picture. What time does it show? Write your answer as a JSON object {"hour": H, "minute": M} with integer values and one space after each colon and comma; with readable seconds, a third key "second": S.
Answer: {"hour": 5, "minute": 41}
